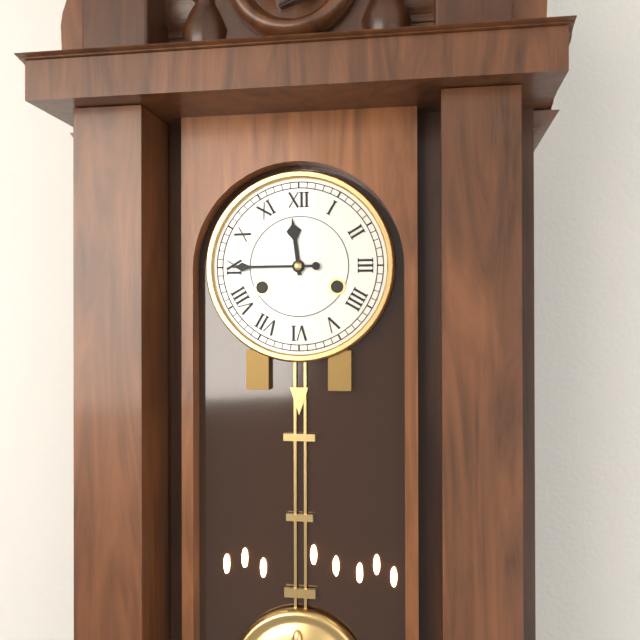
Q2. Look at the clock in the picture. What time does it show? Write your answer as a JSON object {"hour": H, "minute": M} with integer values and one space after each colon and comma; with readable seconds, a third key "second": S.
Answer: {"hour": 11, "minute": 45}
